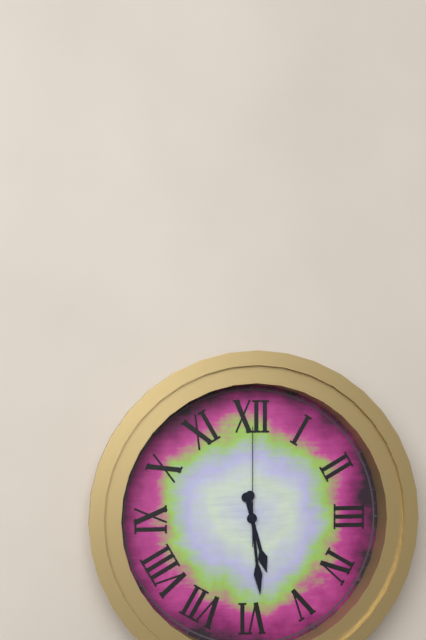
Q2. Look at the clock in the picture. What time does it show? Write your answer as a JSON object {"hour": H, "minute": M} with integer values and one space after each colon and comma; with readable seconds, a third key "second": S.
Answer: {"hour": 5, "minute": 29, "second": 0}
